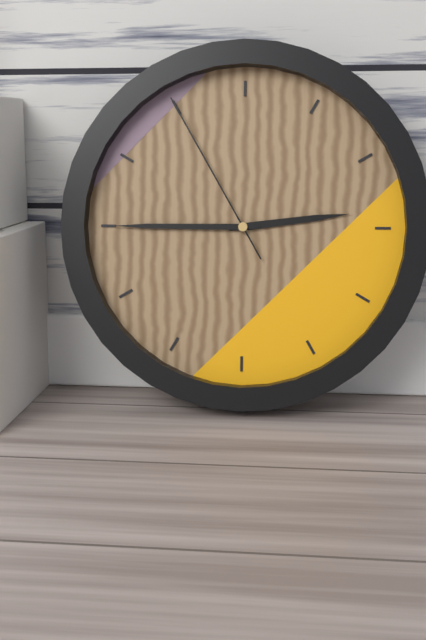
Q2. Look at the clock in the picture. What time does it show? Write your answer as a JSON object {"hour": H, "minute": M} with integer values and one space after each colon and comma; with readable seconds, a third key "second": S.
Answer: {"hour": 2, "minute": 45, "second": 55}
